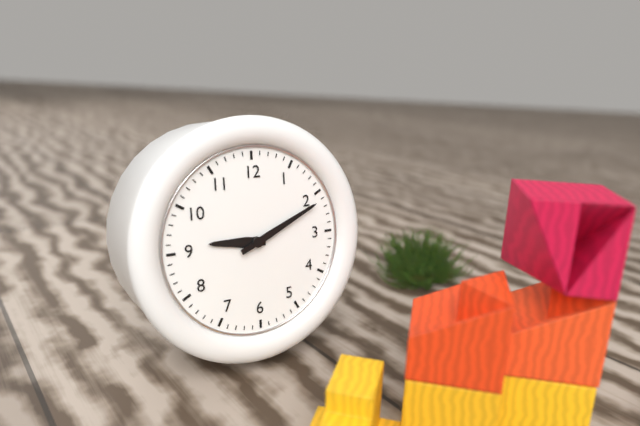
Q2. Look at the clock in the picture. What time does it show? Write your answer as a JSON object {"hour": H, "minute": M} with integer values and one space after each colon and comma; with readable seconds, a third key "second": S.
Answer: {"hour": 9, "minute": 11}
